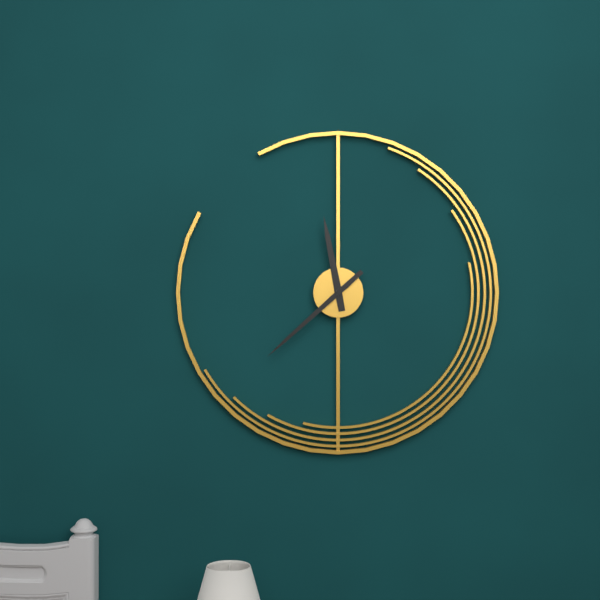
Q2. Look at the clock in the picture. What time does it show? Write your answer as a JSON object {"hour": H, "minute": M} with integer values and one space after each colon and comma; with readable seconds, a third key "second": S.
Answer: {"hour": 11, "minute": 38}
